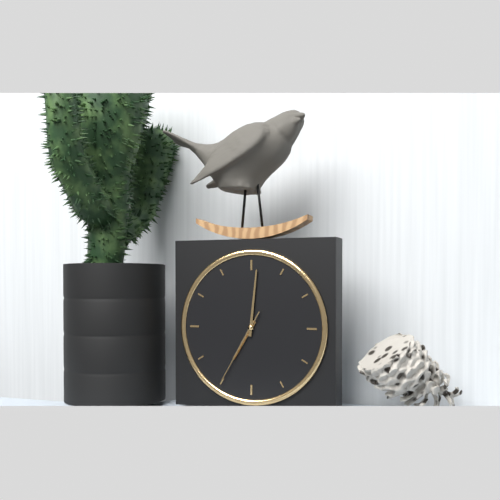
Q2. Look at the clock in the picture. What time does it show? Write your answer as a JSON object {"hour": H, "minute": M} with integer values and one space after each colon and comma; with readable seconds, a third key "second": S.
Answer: {"hour": 7, "minute": 1, "second": 35}
